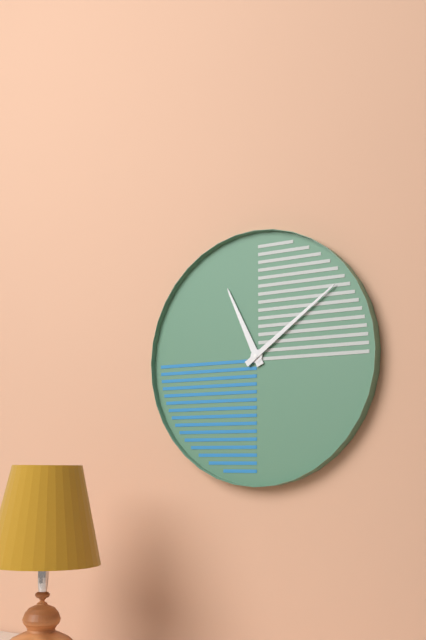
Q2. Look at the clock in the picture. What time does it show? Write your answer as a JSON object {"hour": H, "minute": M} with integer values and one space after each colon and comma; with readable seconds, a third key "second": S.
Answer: {"hour": 11, "minute": 9}
